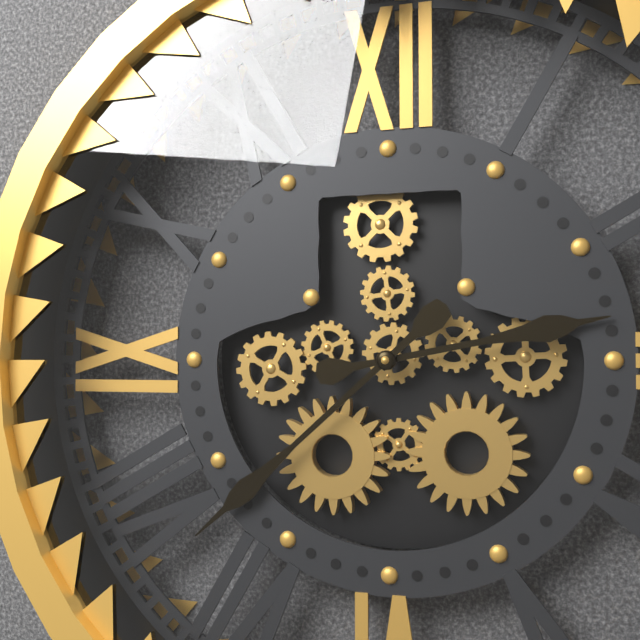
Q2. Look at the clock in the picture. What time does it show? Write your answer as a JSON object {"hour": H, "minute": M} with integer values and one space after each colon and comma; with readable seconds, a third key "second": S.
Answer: {"hour": 2, "minute": 38}
